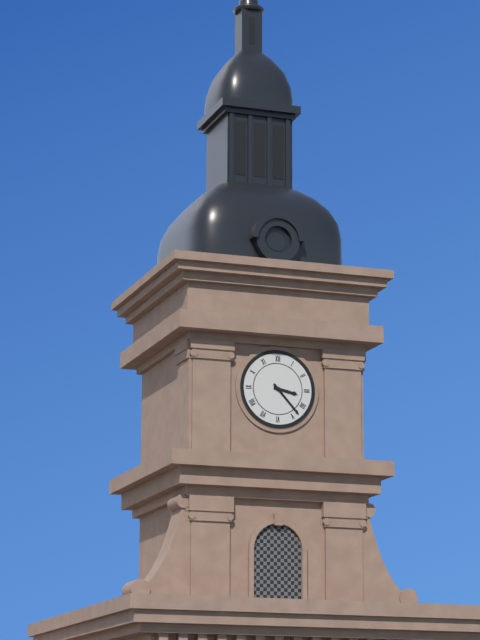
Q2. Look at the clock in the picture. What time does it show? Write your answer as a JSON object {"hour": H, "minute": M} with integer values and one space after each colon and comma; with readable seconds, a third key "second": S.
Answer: {"hour": 3, "minute": 23}
